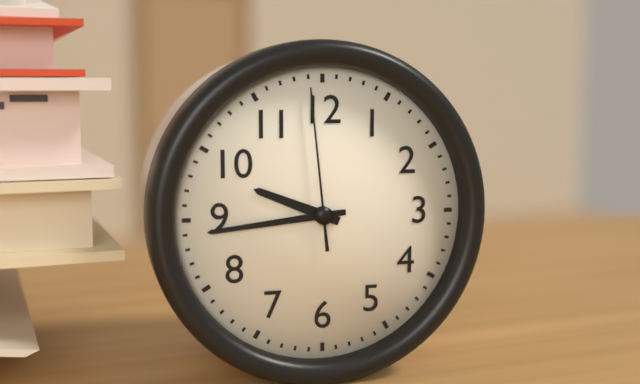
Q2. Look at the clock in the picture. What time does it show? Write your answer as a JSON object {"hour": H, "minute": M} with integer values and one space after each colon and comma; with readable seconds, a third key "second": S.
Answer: {"hour": 9, "minute": 44, "second": 59}
